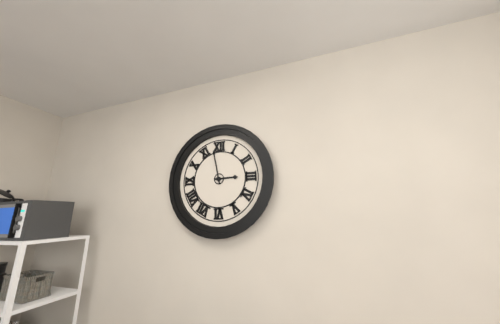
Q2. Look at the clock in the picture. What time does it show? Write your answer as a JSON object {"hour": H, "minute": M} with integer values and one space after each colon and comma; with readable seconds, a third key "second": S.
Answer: {"hour": 2, "minute": 58}
